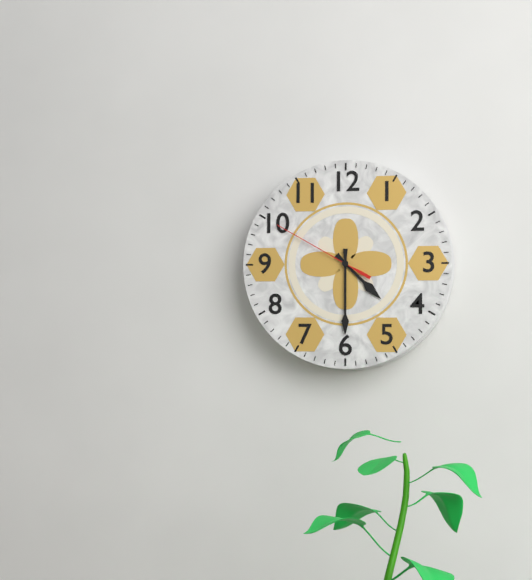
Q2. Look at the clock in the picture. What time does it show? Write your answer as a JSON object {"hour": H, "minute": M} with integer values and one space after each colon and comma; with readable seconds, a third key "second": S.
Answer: {"hour": 4, "minute": 30, "second": 50}
